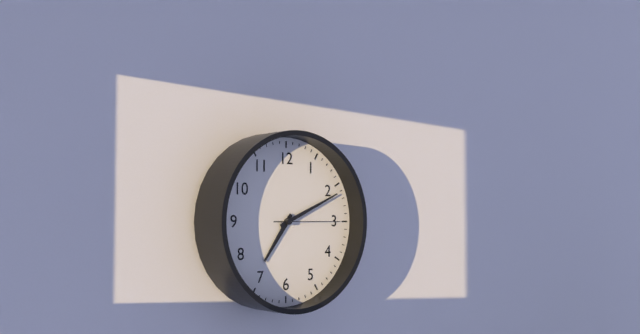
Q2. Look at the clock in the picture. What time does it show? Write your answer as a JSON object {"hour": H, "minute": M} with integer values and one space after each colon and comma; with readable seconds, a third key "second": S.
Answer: {"hour": 7, "minute": 11, "second": 15}
